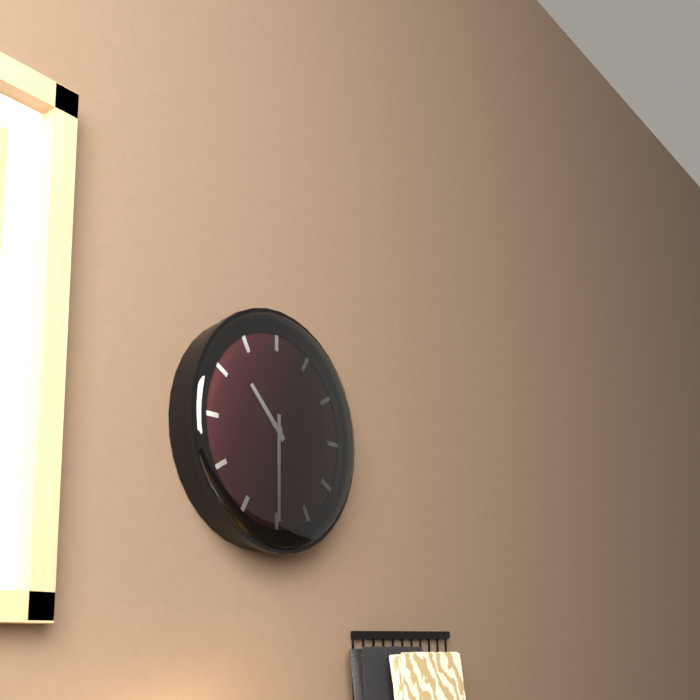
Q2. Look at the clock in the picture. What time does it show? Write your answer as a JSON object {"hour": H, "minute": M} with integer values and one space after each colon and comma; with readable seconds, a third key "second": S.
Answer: {"hour": 10, "minute": 30}
